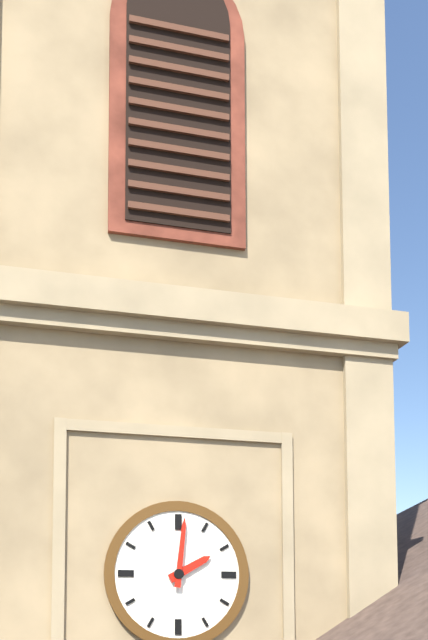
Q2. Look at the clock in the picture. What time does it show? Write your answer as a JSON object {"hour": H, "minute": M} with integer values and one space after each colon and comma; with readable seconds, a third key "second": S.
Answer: {"hour": 2, "minute": 1}
